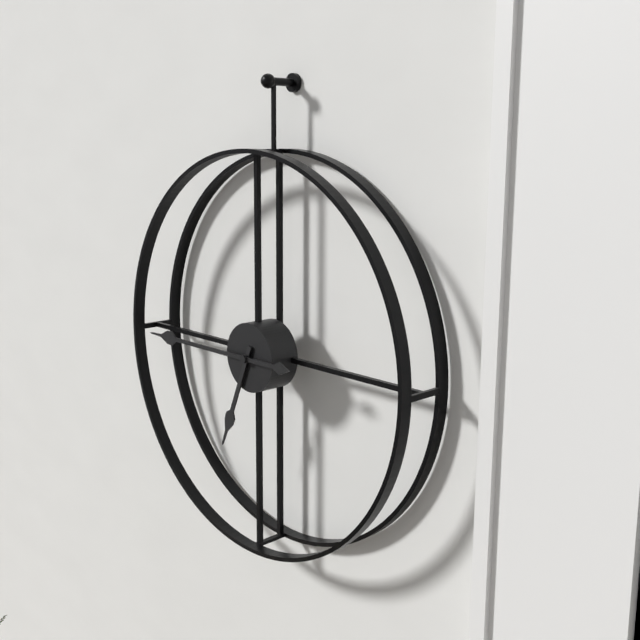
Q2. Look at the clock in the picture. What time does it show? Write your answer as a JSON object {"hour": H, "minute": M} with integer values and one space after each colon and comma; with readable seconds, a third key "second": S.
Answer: {"hour": 6, "minute": 45}
